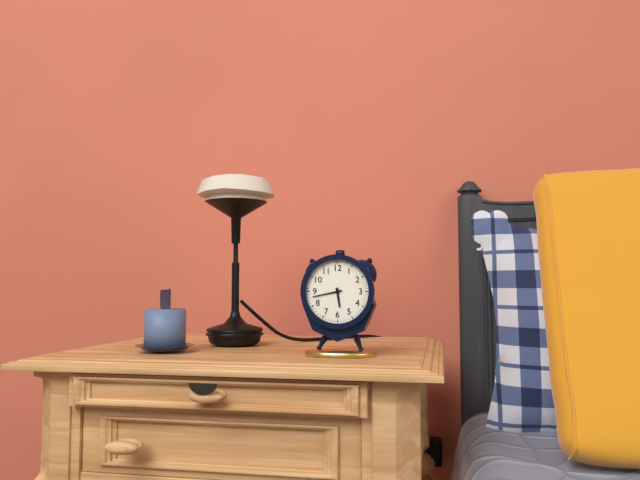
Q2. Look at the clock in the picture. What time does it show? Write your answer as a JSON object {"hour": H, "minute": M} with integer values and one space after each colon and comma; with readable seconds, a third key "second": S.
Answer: {"hour": 5, "minute": 43}
